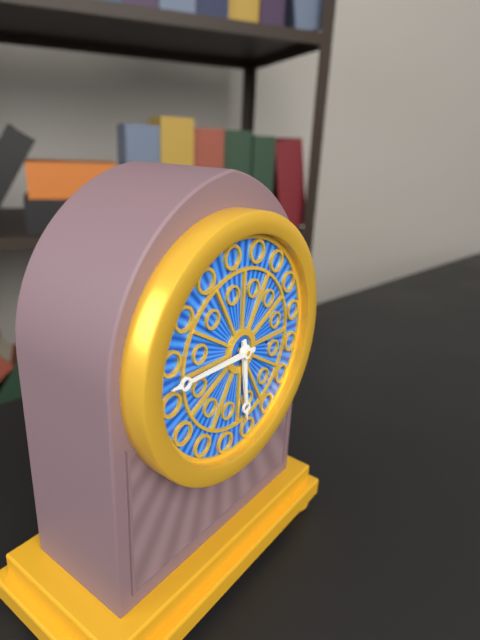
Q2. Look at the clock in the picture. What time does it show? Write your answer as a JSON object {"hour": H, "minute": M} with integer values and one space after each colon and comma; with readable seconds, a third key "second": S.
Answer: {"hour": 5, "minute": 45}
